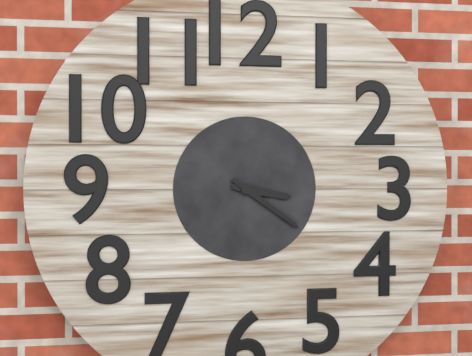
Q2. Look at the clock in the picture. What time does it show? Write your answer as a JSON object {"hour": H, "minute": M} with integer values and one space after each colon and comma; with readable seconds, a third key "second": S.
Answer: {"hour": 3, "minute": 21}
